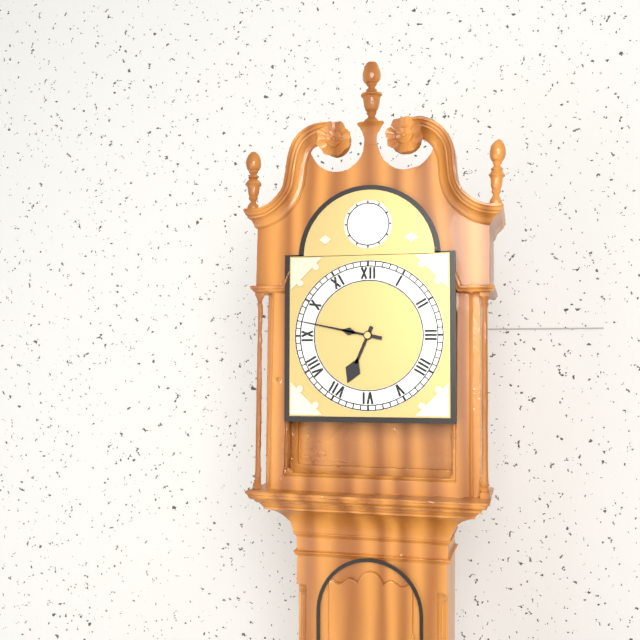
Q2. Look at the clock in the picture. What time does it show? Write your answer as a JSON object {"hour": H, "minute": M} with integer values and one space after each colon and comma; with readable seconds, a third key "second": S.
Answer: {"hour": 6, "minute": 47}
